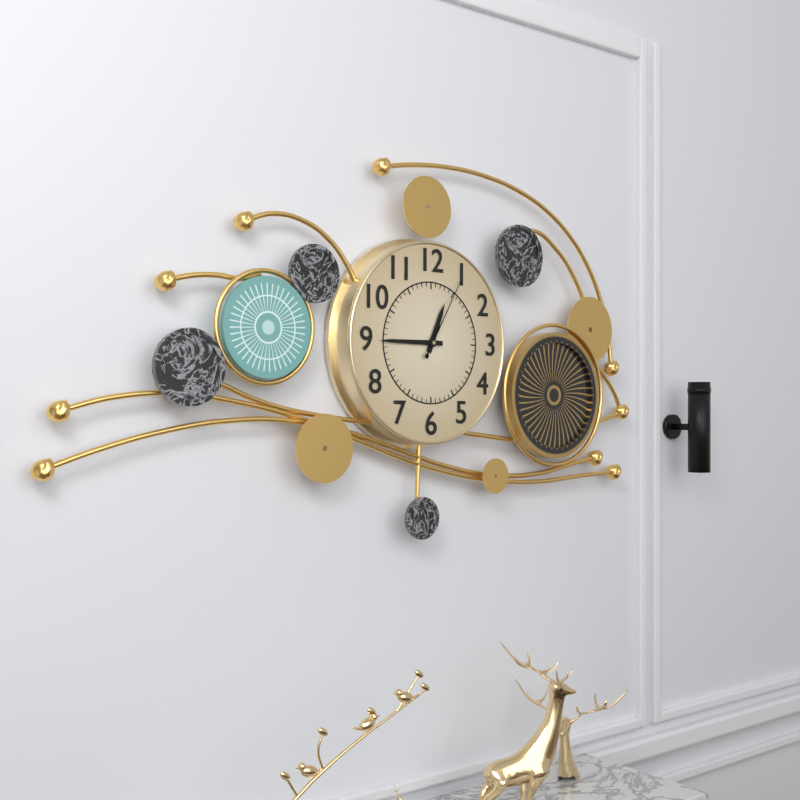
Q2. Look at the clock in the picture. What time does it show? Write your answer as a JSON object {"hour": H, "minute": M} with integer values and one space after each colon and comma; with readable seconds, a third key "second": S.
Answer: {"hour": 12, "minute": 45, "second": 5}
